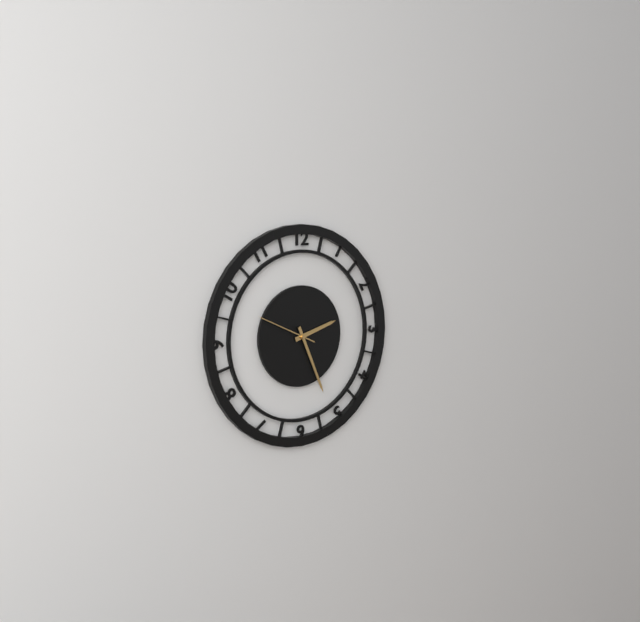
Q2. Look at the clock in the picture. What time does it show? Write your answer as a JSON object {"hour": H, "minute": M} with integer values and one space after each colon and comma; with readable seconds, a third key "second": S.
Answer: {"hour": 2, "minute": 26, "second": 49}
